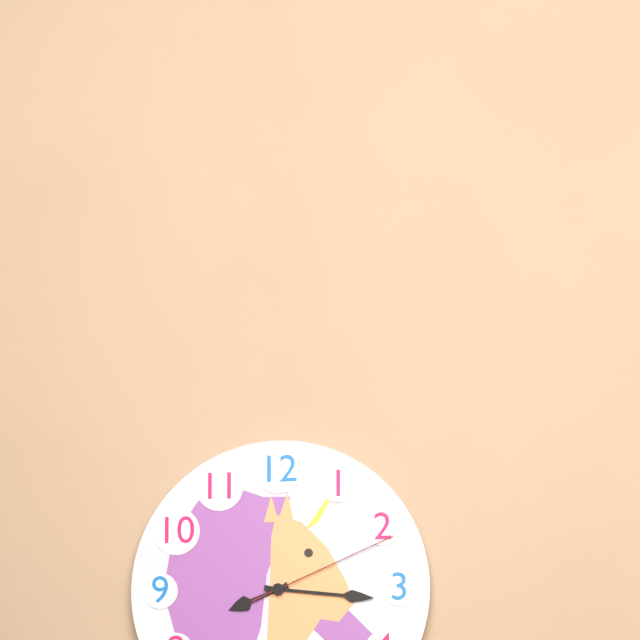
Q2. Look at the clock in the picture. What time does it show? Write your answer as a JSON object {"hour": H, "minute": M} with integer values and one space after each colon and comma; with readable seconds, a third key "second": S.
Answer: {"hour": 8, "minute": 16, "second": 11}
